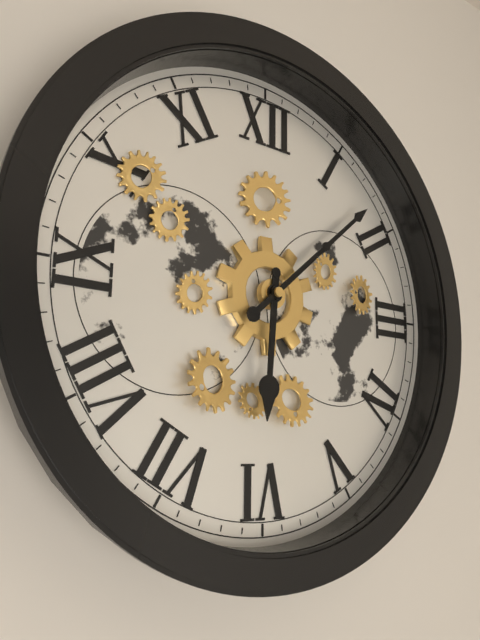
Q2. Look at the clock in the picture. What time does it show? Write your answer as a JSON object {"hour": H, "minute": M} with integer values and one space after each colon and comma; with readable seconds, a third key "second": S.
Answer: {"hour": 6, "minute": 8}
